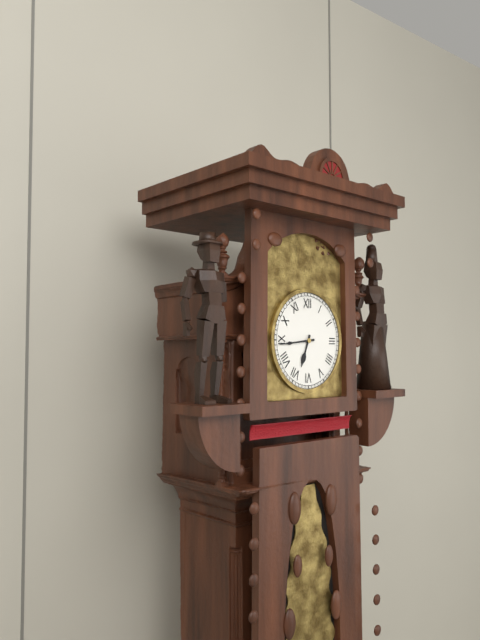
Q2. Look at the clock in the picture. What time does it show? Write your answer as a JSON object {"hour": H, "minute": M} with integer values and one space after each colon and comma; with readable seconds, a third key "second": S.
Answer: {"hour": 6, "minute": 44}
